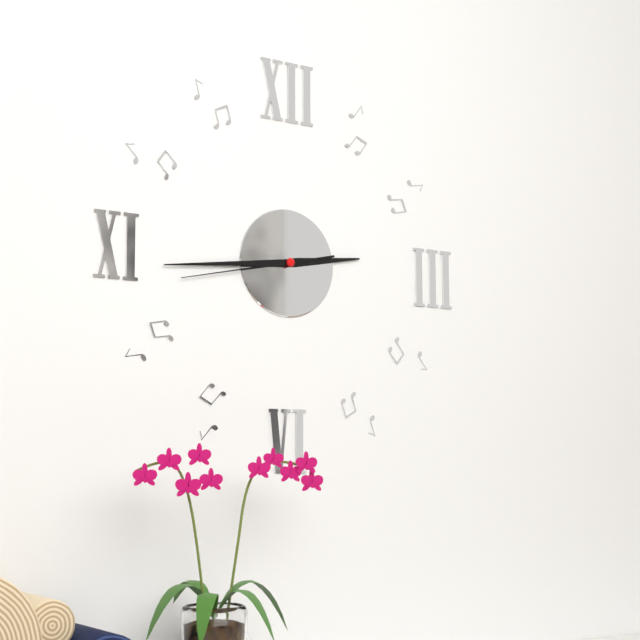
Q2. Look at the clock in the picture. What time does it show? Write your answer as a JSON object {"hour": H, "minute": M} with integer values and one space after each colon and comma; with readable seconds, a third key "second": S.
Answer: {"hour": 2, "minute": 44, "second": 43}
